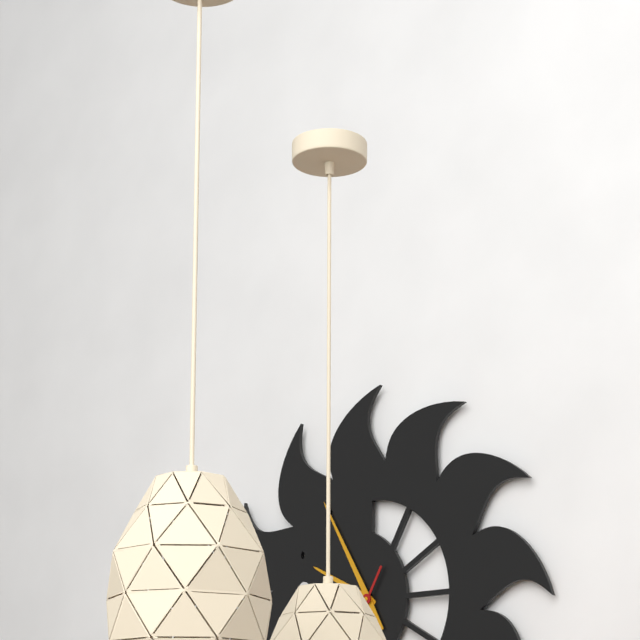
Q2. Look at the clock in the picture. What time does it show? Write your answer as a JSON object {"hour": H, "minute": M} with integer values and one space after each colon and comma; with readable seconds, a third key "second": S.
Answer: {"hour": 9, "minute": 55}
